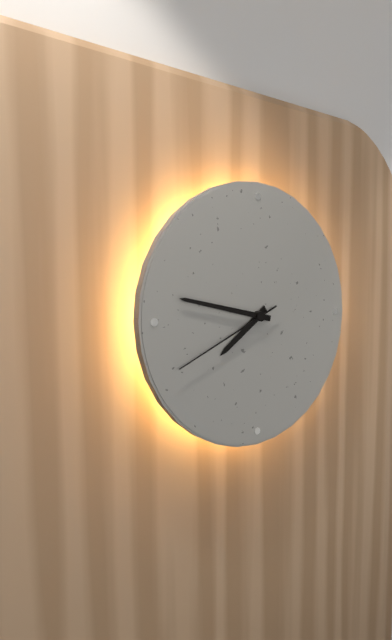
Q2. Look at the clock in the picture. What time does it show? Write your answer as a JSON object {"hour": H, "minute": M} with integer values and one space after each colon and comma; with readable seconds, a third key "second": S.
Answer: {"hour": 7, "minute": 47, "second": 41}
